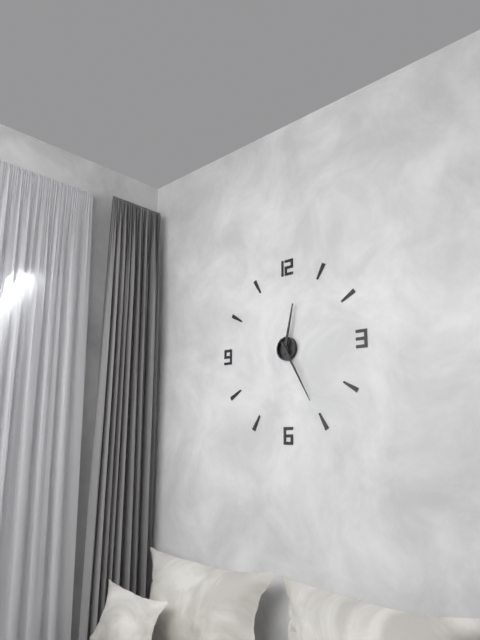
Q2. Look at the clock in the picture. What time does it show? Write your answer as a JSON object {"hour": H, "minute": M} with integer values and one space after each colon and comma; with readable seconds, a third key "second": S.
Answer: {"hour": 12, "minute": 25}
